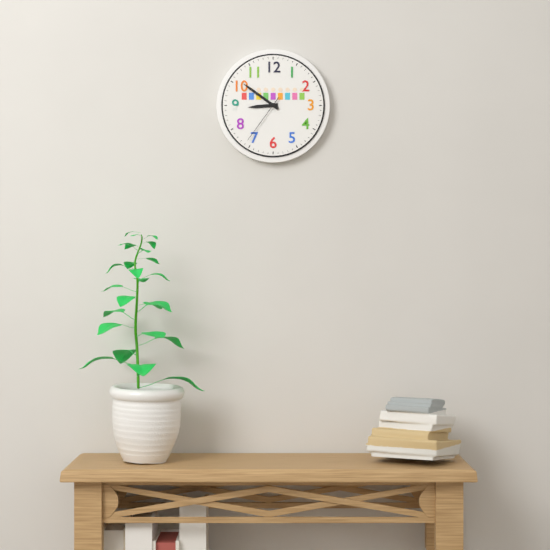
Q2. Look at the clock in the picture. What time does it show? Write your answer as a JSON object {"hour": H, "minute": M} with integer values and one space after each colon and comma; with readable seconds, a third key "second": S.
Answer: {"hour": 8, "minute": 51, "second": 36}
